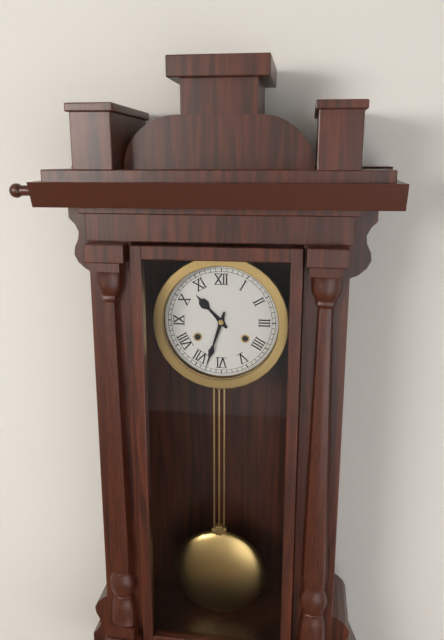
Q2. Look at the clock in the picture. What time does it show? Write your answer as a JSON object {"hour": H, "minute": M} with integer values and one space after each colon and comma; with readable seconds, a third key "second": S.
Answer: {"hour": 10, "minute": 33}
